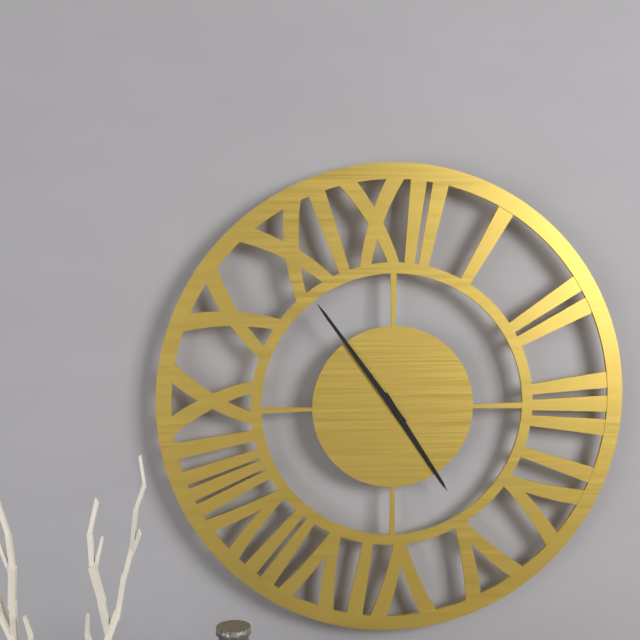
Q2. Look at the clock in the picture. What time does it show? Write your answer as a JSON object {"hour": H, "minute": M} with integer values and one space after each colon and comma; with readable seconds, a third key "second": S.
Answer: {"hour": 4, "minute": 54}
